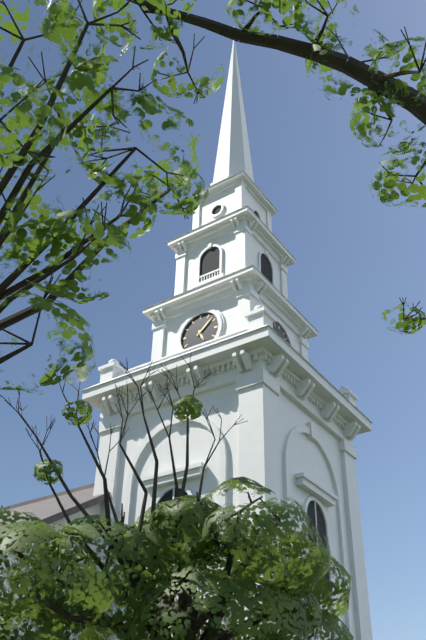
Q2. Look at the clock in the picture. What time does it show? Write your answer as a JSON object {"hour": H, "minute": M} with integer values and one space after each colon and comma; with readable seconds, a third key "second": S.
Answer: {"hour": 5, "minute": 8}
